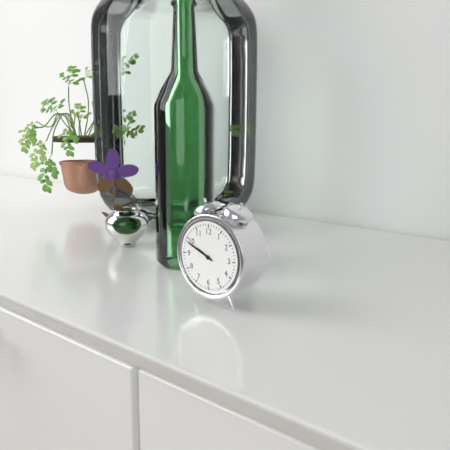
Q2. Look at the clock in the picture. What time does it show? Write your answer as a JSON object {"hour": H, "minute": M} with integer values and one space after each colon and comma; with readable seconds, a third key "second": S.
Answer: {"hour": 9, "minute": 49}
